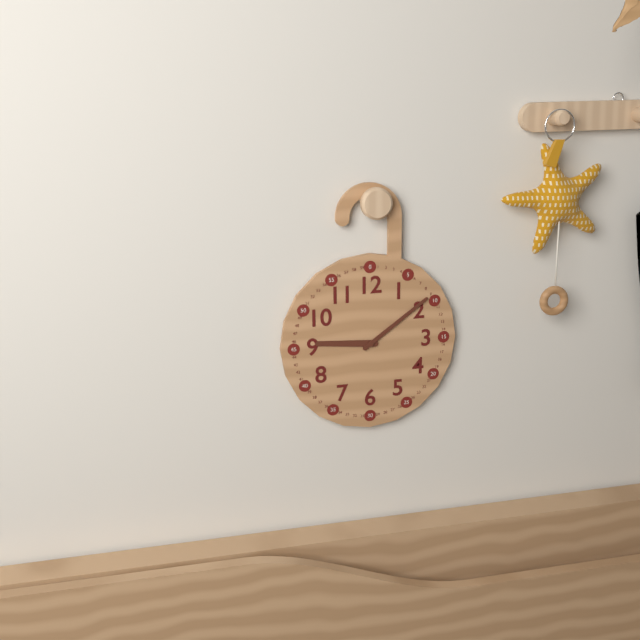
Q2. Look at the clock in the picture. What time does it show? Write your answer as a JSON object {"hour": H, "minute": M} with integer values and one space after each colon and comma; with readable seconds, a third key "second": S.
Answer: {"hour": 9, "minute": 9}
